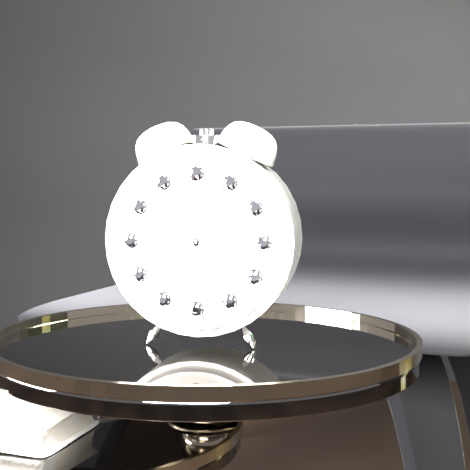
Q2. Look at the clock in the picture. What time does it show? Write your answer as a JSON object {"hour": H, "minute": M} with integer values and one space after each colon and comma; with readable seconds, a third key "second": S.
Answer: {"hour": 7, "minute": 2, "second": 18}
